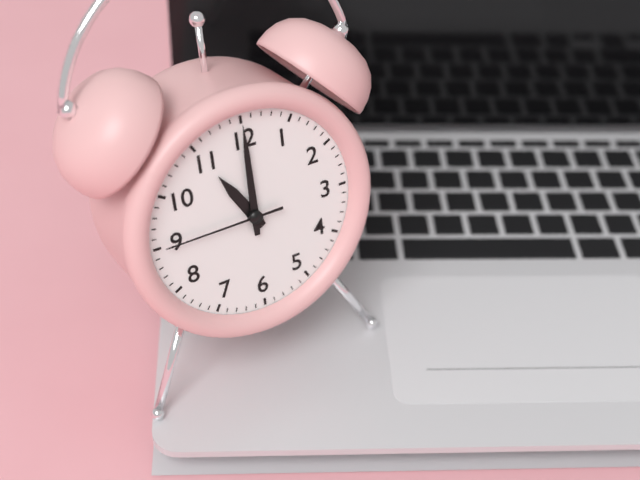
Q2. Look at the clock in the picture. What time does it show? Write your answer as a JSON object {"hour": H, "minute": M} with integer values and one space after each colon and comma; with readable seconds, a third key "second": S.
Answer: {"hour": 11, "minute": 0, "second": 45}
